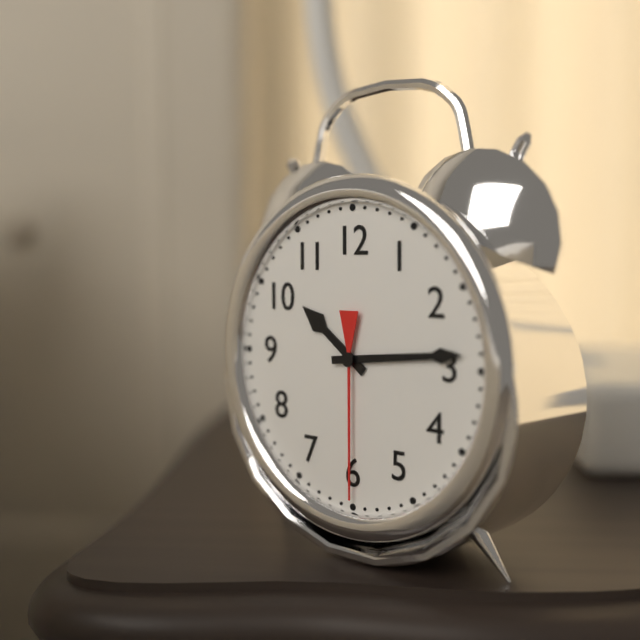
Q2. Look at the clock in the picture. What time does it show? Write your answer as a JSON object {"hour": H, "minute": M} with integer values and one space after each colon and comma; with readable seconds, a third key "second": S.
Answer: {"hour": 10, "minute": 14, "second": 30}
